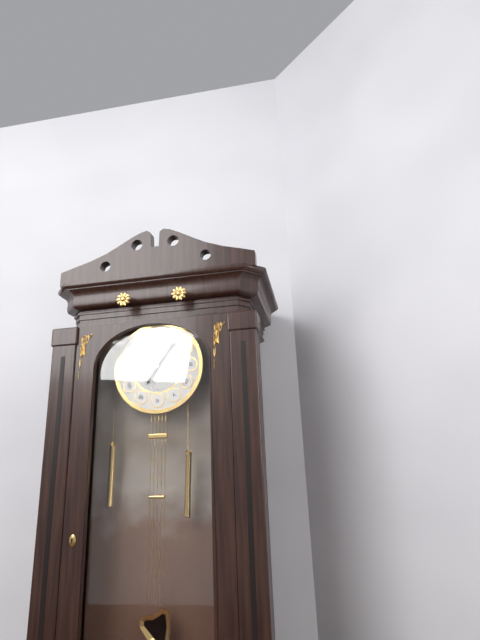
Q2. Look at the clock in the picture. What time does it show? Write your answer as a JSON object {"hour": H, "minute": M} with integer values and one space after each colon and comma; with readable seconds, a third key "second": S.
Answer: {"hour": 7, "minute": 6}
